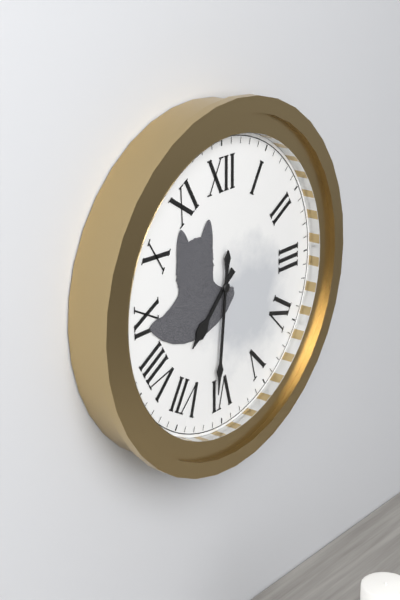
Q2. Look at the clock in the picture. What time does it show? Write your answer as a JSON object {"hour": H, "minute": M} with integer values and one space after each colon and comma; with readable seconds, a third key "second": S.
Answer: {"hour": 7, "minute": 31}
